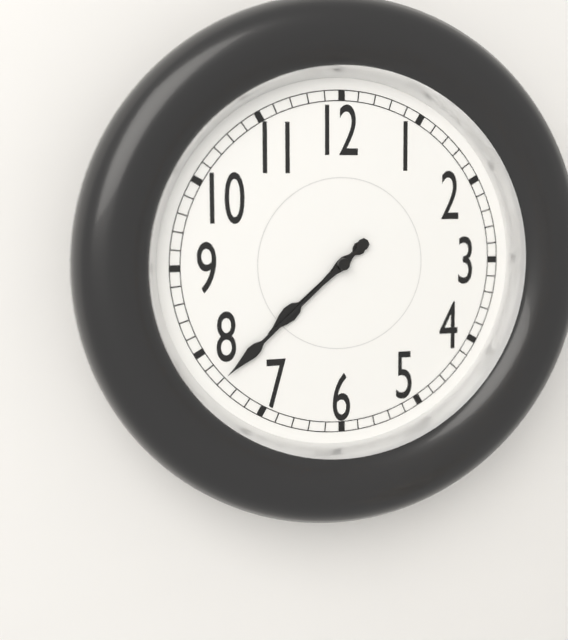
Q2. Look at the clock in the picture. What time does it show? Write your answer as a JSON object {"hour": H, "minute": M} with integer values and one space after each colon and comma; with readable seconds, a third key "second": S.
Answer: {"hour": 7, "minute": 38}
